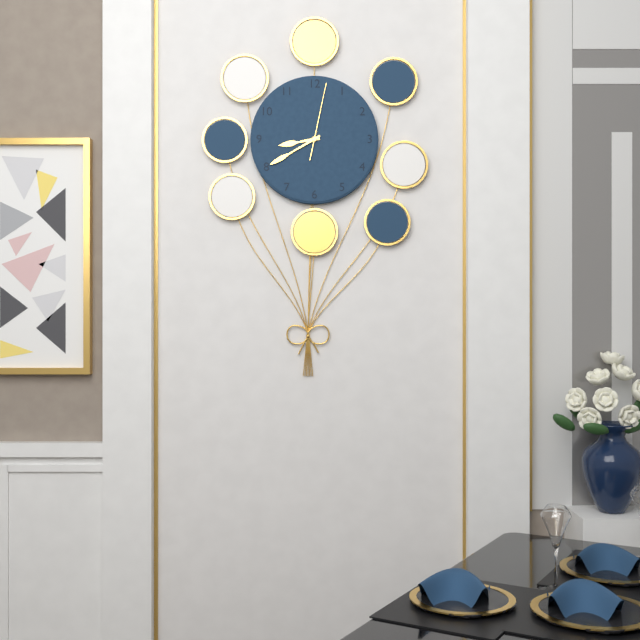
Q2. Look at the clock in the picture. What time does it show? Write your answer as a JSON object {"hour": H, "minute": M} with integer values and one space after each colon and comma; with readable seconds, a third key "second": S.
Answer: {"hour": 8, "minute": 40, "second": 2}
